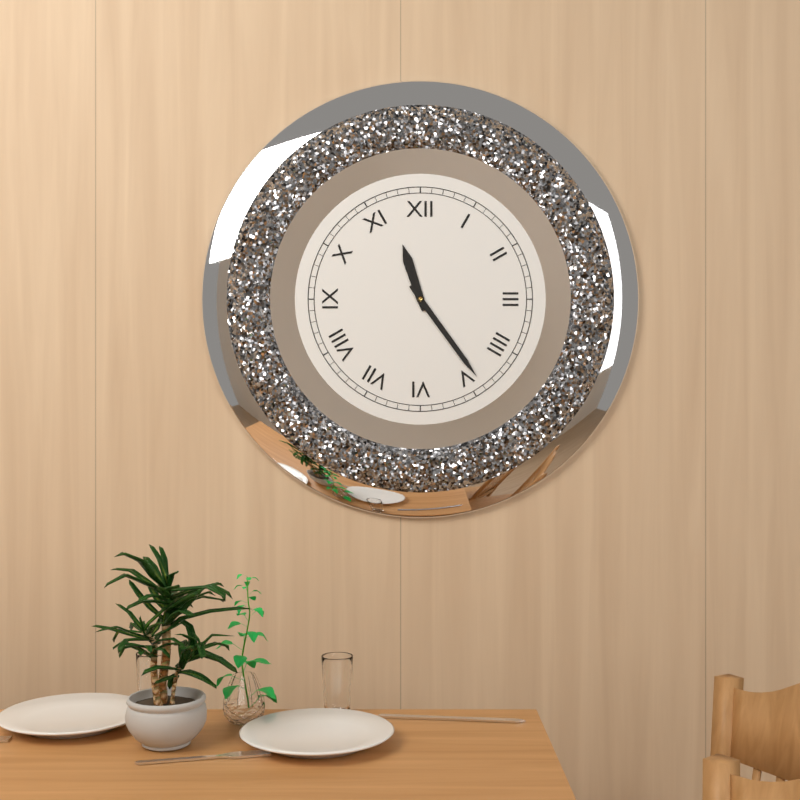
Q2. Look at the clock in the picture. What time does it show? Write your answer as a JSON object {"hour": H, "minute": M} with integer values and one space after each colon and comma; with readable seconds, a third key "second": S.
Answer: {"hour": 11, "minute": 24}
